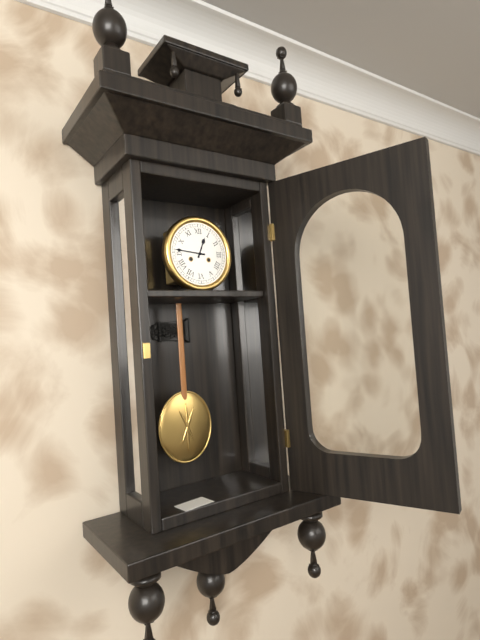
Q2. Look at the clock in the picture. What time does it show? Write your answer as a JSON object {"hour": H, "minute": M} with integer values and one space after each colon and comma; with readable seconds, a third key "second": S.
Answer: {"hour": 12, "minute": 46}
